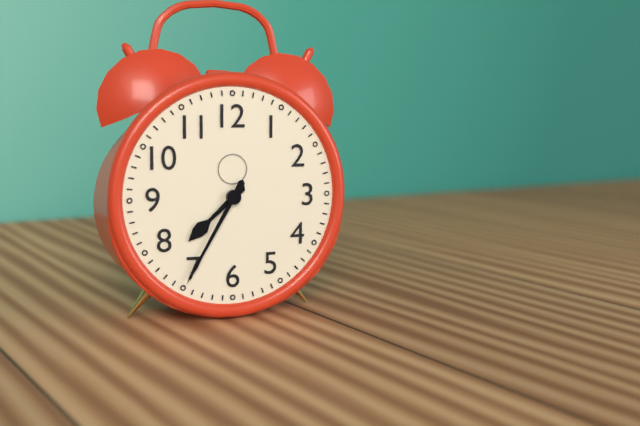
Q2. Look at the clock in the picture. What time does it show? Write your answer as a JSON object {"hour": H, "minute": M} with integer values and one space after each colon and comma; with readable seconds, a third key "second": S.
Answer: {"hour": 7, "minute": 35}
